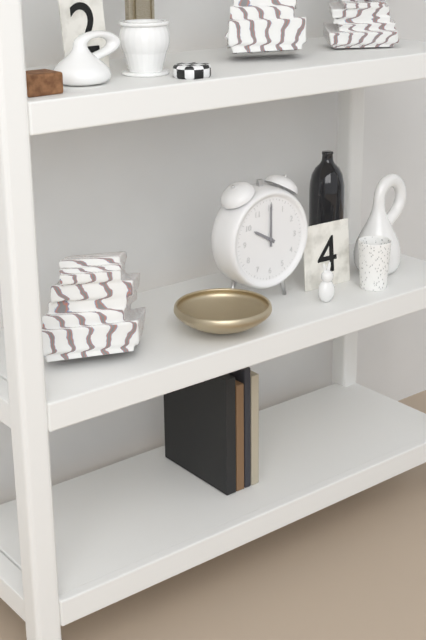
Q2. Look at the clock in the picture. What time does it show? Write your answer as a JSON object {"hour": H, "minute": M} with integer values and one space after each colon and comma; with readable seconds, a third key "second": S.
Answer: {"hour": 10, "minute": 0}
